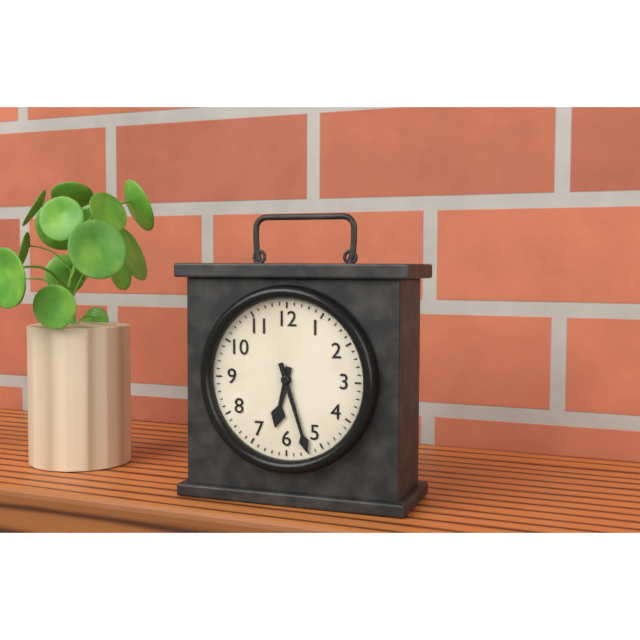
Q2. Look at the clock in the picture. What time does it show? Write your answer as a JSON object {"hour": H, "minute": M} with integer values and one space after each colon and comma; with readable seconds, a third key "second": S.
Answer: {"hour": 6, "minute": 27}
